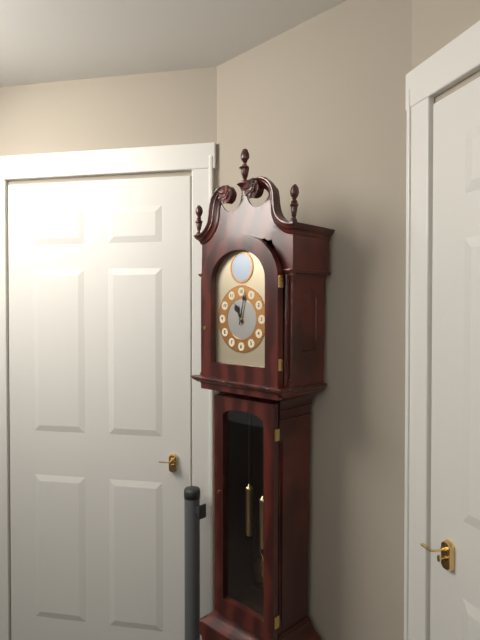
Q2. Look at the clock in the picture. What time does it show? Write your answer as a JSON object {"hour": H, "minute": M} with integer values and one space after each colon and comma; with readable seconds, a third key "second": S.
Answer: {"hour": 11, "minute": 2}
